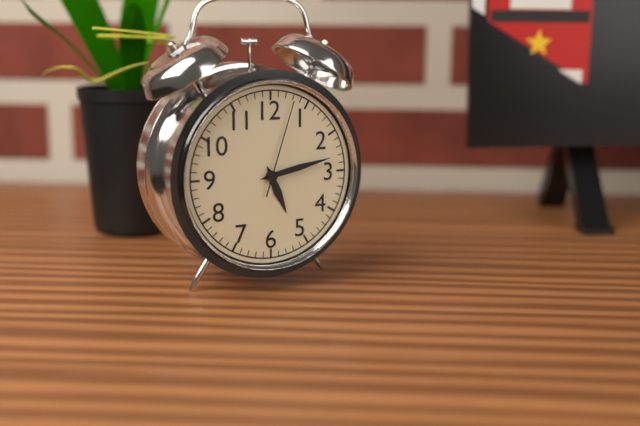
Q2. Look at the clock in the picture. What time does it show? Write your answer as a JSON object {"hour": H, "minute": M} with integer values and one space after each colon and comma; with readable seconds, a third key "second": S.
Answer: {"hour": 5, "minute": 13, "second": 3}
